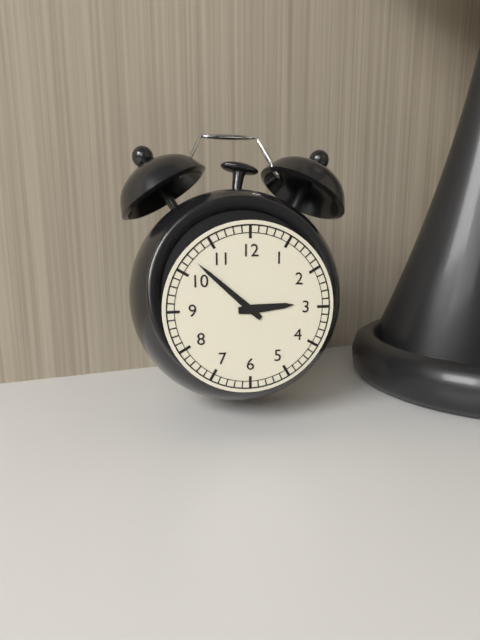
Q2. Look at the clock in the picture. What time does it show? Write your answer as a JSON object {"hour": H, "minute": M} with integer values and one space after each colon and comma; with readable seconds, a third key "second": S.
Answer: {"hour": 2, "minute": 52}
